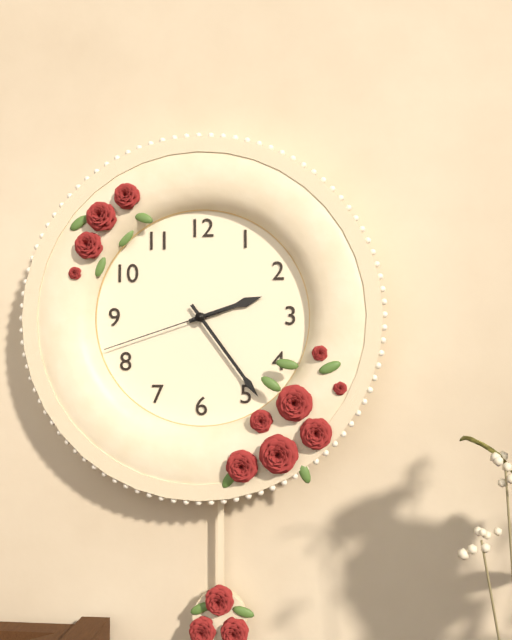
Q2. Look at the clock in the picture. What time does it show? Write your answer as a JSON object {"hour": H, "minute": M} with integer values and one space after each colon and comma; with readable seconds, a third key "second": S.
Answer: {"hour": 2, "minute": 24, "second": 42}
